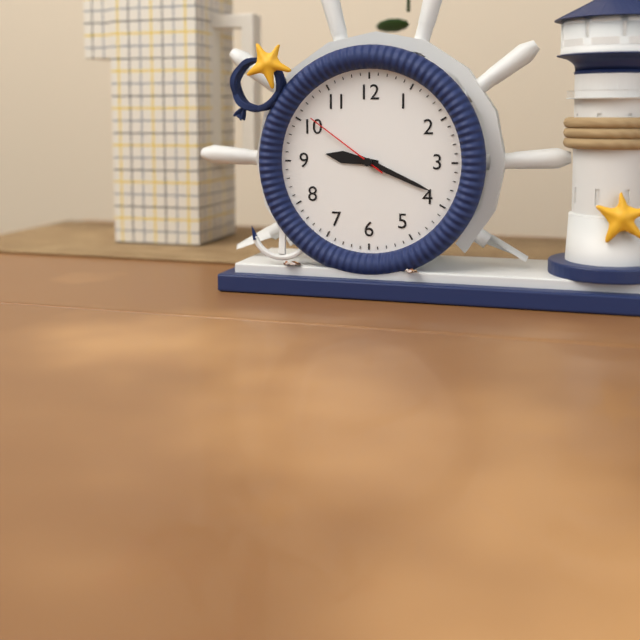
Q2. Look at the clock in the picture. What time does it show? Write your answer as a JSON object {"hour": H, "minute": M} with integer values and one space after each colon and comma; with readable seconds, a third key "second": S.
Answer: {"hour": 9, "minute": 19, "second": 51}
